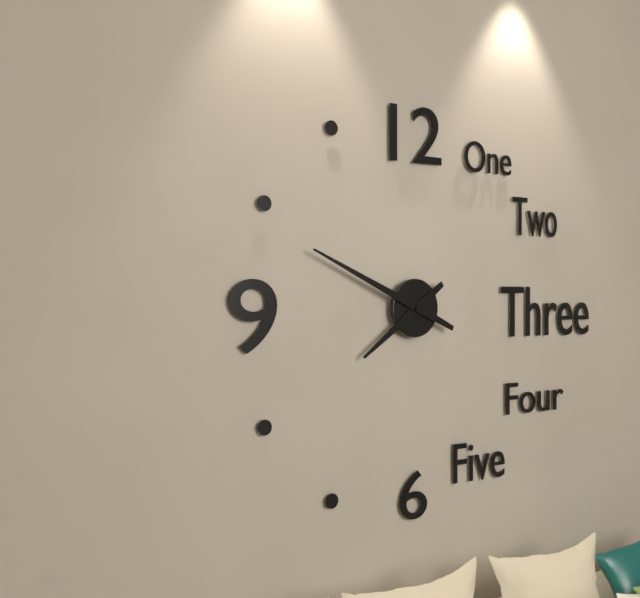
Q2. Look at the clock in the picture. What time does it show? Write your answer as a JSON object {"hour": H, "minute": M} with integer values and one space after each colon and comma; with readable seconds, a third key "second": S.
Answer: {"hour": 7, "minute": 49}
